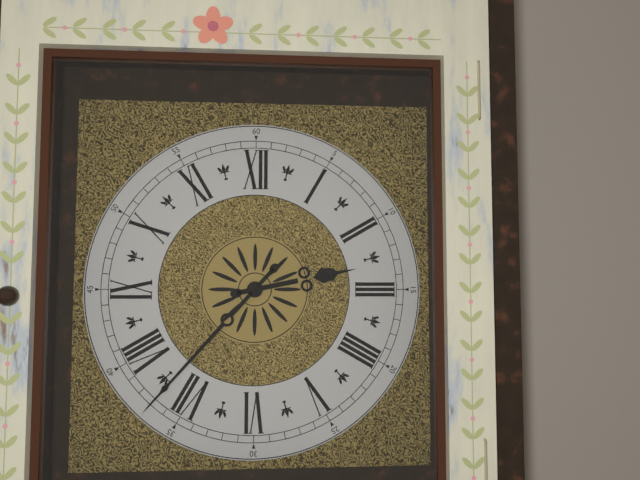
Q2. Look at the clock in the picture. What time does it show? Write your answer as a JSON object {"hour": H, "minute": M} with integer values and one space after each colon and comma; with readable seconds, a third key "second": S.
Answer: {"hour": 2, "minute": 37}
